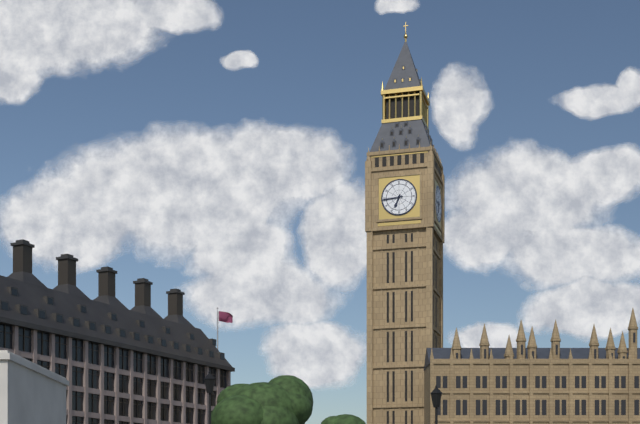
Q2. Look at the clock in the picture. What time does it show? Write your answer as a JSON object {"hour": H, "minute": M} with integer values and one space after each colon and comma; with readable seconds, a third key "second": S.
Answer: {"hour": 6, "minute": 44}
